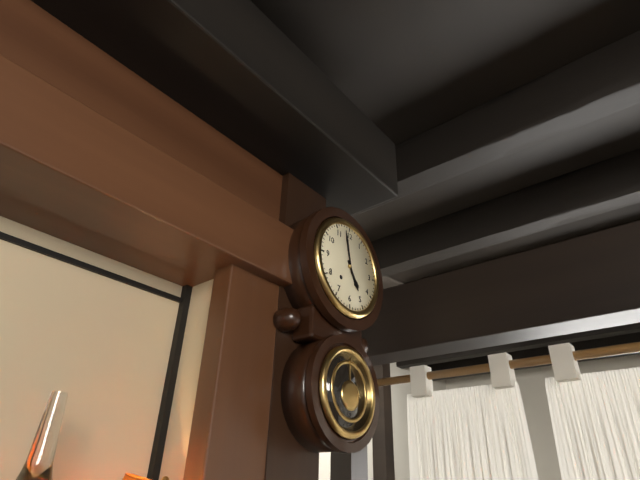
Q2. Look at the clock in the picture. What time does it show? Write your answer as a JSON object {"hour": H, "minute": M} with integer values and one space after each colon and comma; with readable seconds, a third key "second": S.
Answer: {"hour": 4, "minute": 58}
